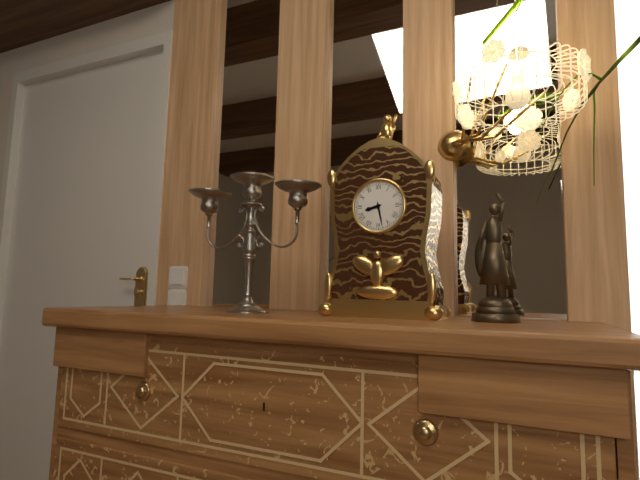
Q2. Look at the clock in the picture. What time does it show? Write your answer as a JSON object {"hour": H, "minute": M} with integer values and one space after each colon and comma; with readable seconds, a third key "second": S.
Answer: {"hour": 8, "minute": 28}
